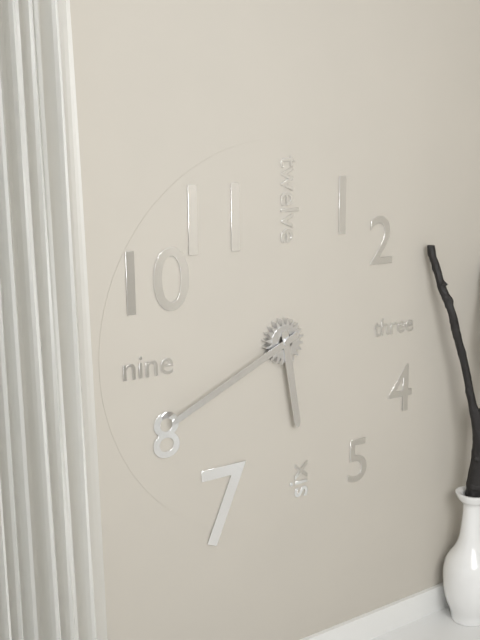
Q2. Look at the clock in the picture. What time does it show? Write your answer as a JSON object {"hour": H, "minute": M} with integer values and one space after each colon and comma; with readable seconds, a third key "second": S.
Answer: {"hour": 5, "minute": 41}
